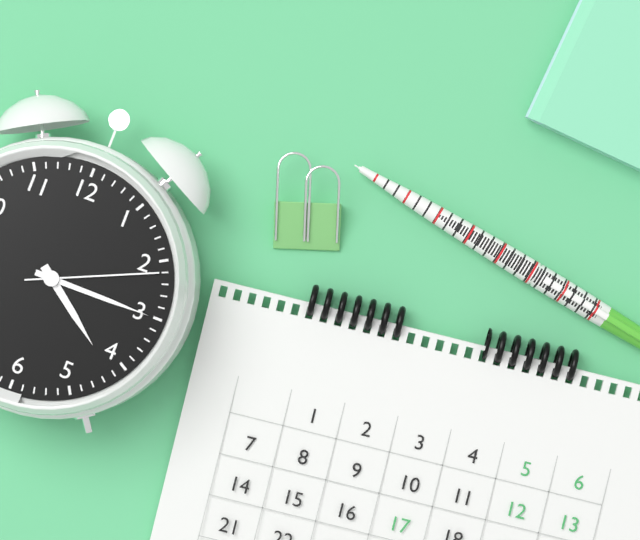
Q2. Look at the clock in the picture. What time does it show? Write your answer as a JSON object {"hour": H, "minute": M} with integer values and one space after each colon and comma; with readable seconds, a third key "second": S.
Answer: {"hour": 4, "minute": 15, "second": 11}
